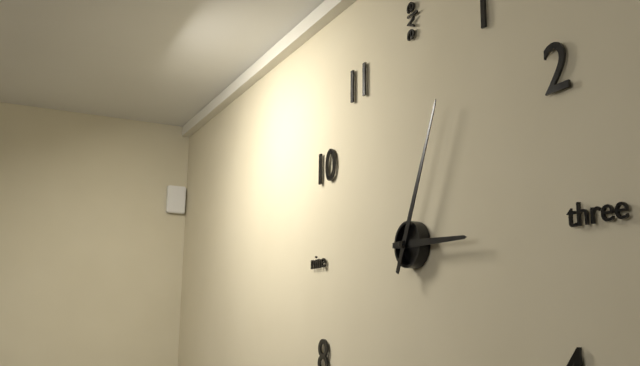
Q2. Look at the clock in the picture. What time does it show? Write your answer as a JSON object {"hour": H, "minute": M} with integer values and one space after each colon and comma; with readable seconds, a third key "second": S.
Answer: {"hour": 3, "minute": 4}
